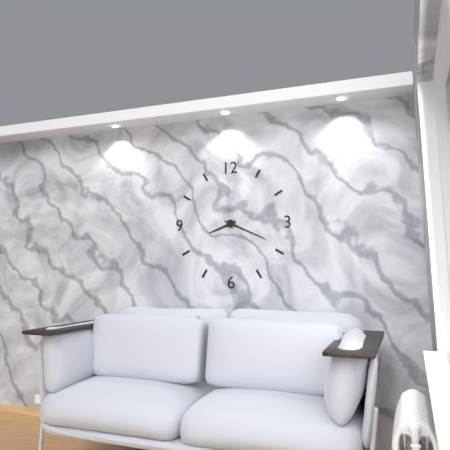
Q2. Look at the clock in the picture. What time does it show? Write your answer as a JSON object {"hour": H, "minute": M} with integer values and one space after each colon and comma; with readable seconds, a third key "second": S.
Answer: {"hour": 8, "minute": 19}
